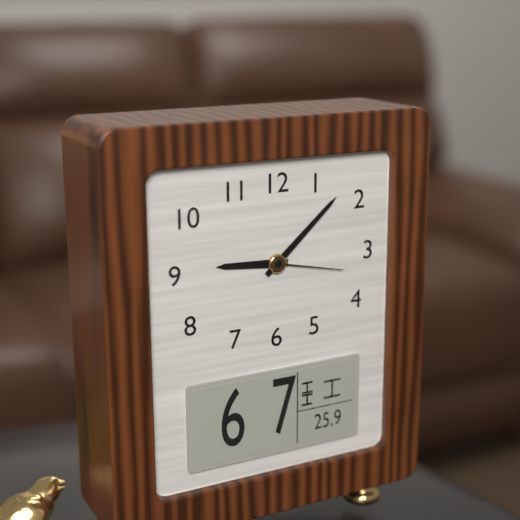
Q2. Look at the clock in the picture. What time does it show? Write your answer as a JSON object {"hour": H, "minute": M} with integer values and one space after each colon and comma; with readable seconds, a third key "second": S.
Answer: {"hour": 9, "minute": 8, "second": 17}
